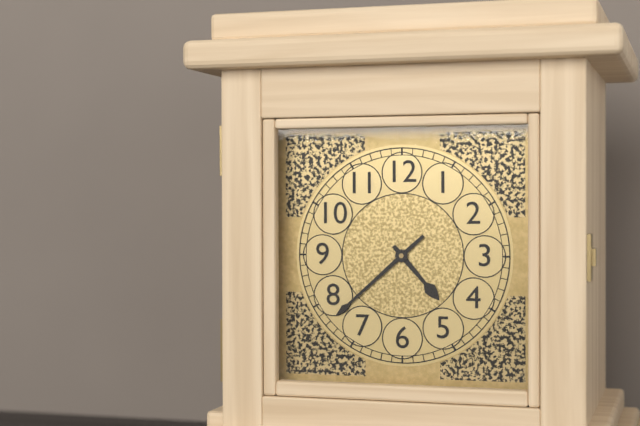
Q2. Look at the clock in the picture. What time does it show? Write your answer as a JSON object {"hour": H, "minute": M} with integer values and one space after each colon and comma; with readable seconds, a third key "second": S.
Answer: {"hour": 4, "minute": 38}
